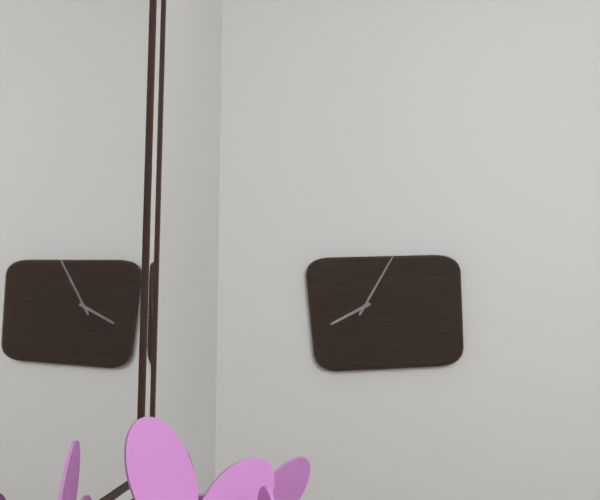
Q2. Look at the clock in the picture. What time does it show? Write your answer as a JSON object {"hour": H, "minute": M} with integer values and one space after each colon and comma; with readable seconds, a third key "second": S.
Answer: {"hour": 8, "minute": 5}
